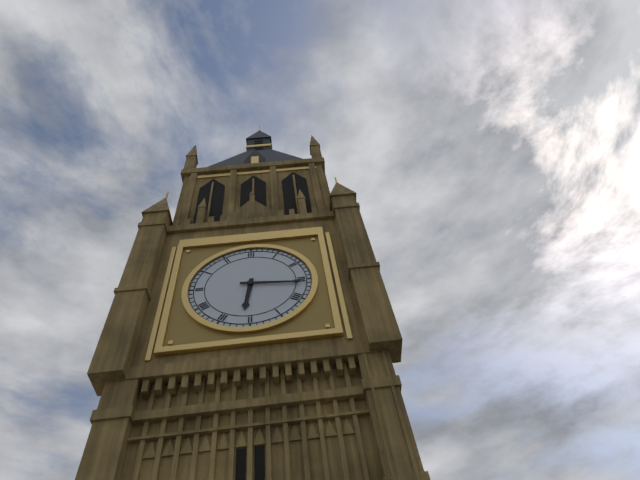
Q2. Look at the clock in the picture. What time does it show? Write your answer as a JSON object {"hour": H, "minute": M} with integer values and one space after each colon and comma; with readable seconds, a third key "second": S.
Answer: {"hour": 6, "minute": 16}
